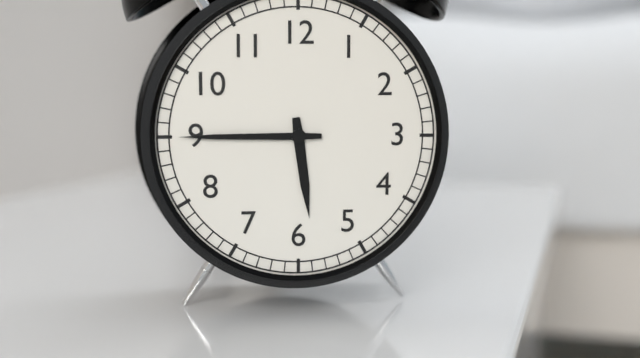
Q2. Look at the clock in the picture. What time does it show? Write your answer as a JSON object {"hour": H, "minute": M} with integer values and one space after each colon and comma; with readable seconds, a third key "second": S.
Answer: {"hour": 5, "minute": 45}
